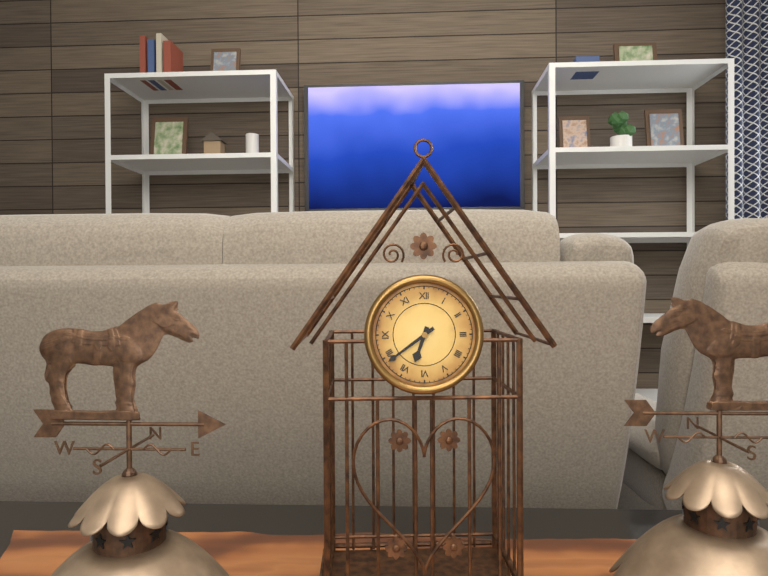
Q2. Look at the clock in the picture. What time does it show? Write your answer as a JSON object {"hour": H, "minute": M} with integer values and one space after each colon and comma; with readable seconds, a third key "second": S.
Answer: {"hour": 6, "minute": 39}
